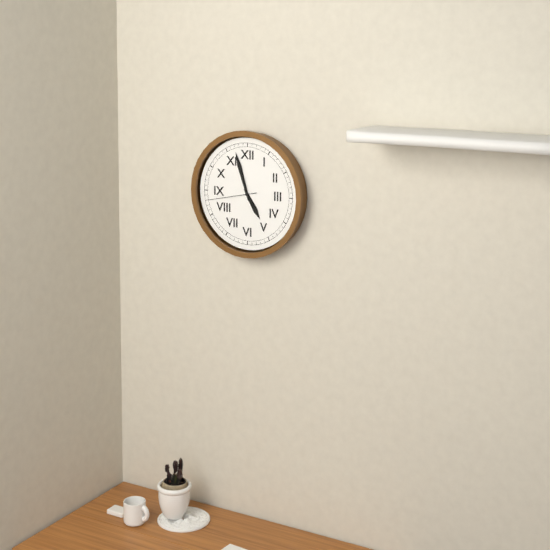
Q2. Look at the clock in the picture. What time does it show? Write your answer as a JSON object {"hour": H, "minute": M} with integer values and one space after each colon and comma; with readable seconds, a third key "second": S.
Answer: {"hour": 4, "minute": 57}
